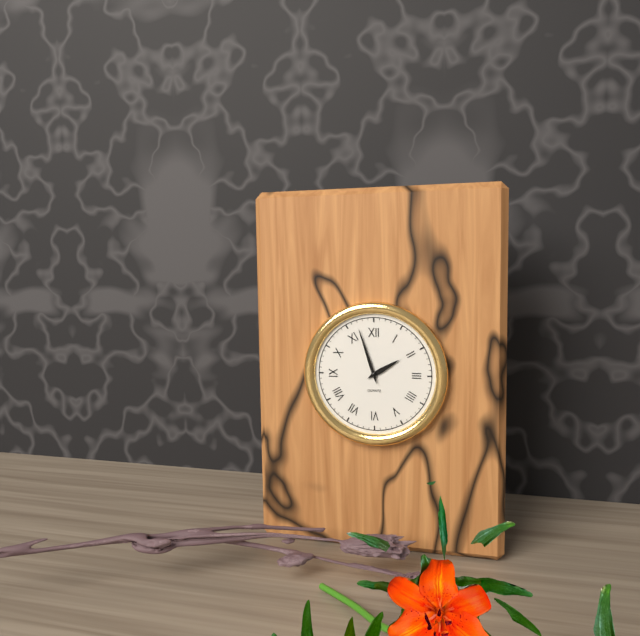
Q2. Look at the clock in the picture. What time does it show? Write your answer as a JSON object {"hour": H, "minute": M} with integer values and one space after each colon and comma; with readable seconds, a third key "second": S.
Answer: {"hour": 1, "minute": 57}
